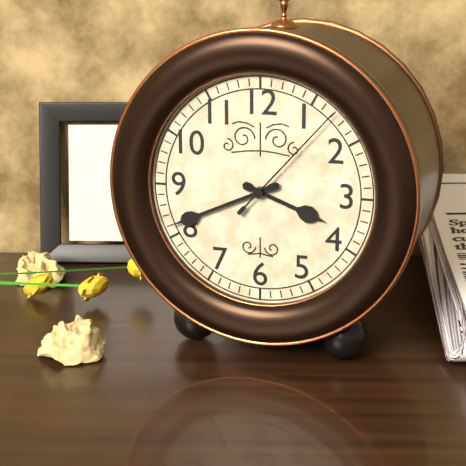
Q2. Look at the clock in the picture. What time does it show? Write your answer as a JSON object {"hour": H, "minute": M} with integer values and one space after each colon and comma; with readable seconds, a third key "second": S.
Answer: {"hour": 3, "minute": 41, "second": 7}
